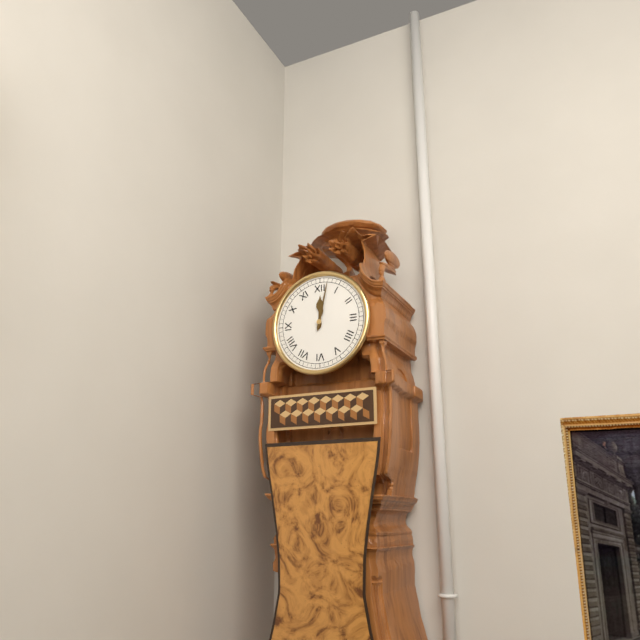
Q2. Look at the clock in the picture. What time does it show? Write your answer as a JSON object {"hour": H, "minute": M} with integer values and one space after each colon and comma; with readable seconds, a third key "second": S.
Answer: {"hour": 12, "minute": 2}
